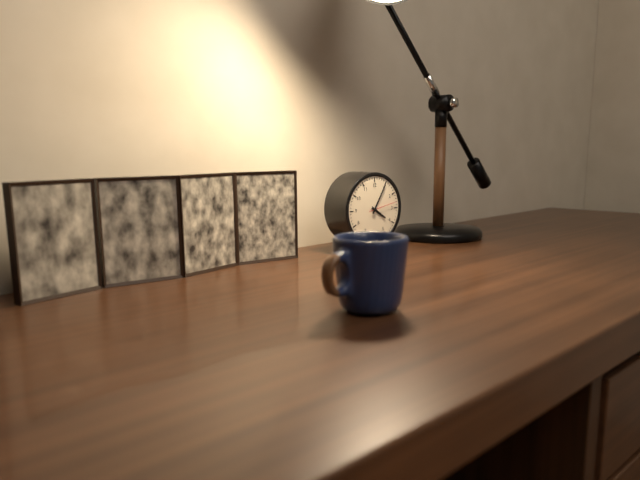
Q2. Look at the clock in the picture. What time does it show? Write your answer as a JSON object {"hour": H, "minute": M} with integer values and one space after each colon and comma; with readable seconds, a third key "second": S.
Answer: {"hour": 4, "minute": 5}
